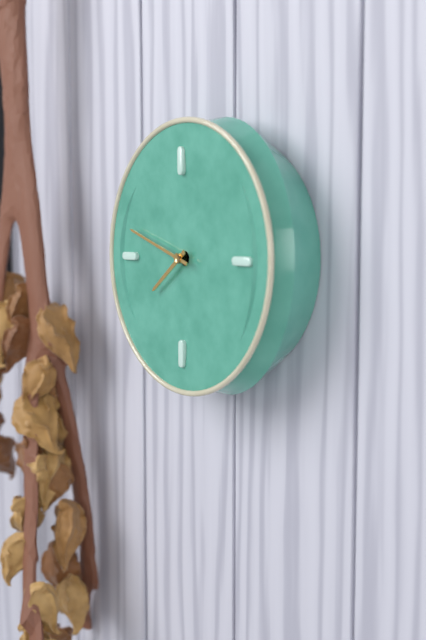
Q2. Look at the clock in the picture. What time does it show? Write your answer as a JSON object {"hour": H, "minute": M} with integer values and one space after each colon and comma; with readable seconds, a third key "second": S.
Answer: {"hour": 7, "minute": 48}
